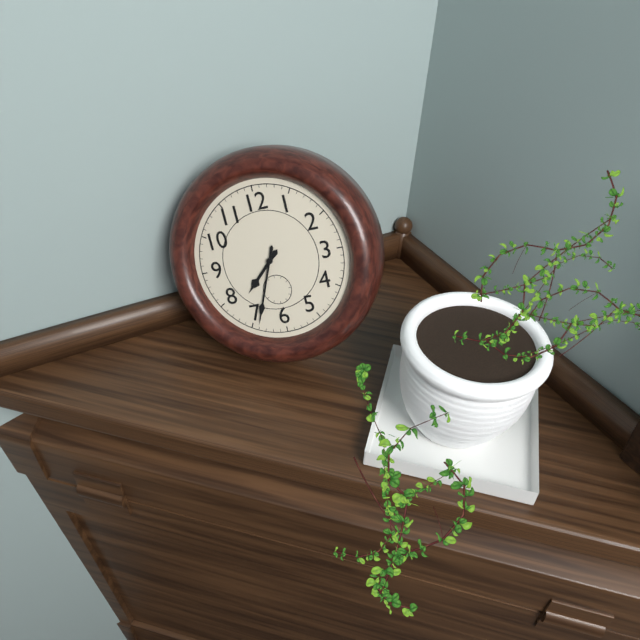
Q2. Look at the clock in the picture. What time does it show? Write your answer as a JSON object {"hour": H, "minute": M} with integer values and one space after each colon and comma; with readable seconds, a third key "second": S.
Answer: {"hour": 7, "minute": 34}
